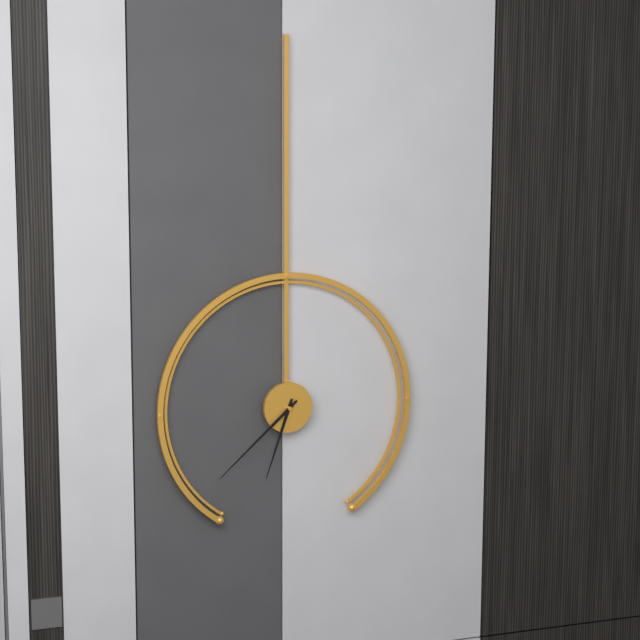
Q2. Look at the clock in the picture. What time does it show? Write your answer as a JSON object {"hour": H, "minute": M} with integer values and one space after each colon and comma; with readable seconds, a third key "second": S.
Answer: {"hour": 6, "minute": 38}
